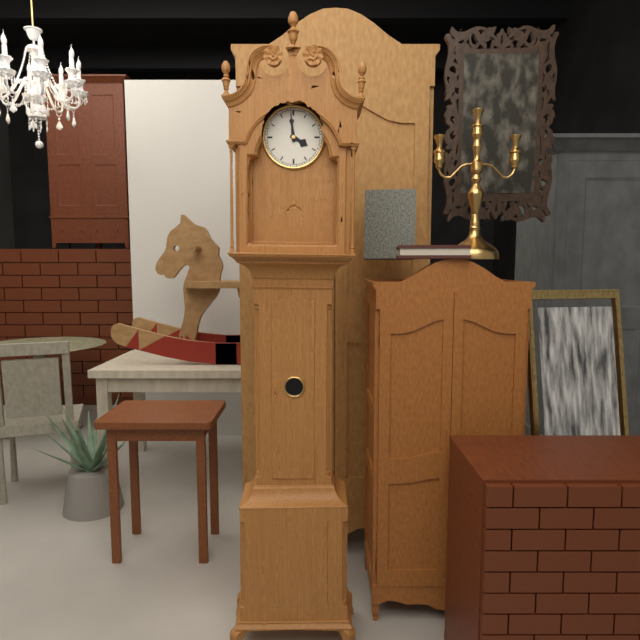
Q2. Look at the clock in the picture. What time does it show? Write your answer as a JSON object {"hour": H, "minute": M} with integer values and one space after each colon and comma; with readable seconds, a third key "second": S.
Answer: {"hour": 3, "minute": 59}
